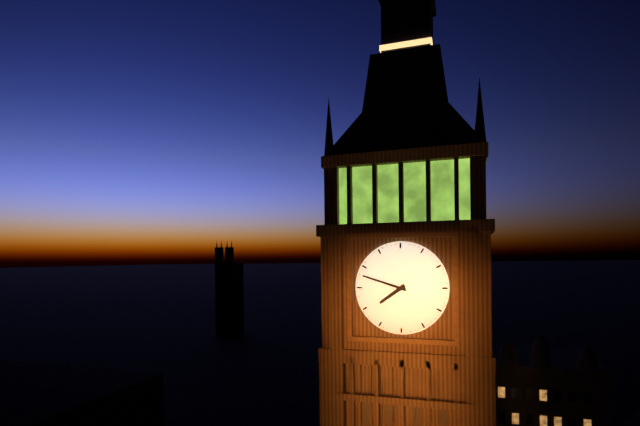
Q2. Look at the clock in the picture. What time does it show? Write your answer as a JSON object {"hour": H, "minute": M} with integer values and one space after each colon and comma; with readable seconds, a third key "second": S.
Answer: {"hour": 7, "minute": 48}
